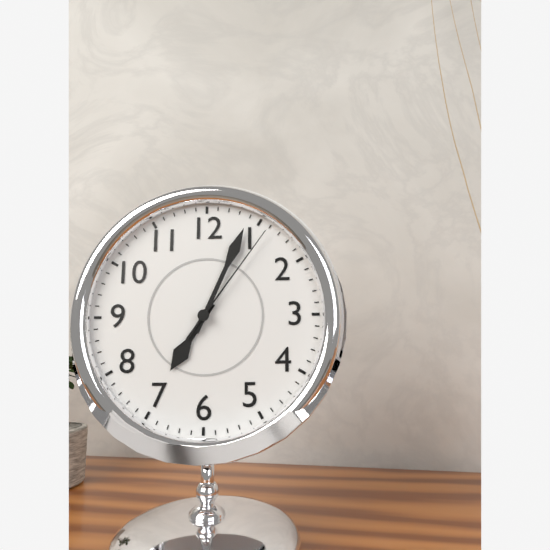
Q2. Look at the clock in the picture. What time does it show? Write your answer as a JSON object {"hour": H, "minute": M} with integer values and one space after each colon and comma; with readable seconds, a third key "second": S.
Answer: {"hour": 7, "minute": 4, "second": 6}
